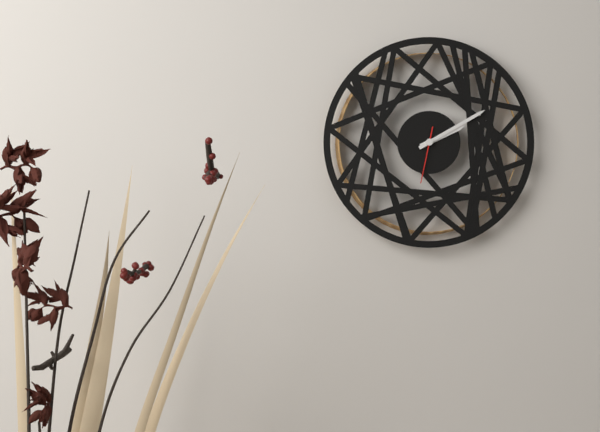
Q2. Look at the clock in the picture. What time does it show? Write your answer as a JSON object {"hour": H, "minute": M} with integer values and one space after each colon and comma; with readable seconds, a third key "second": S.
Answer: {"hour": 2, "minute": 10, "second": 32}
